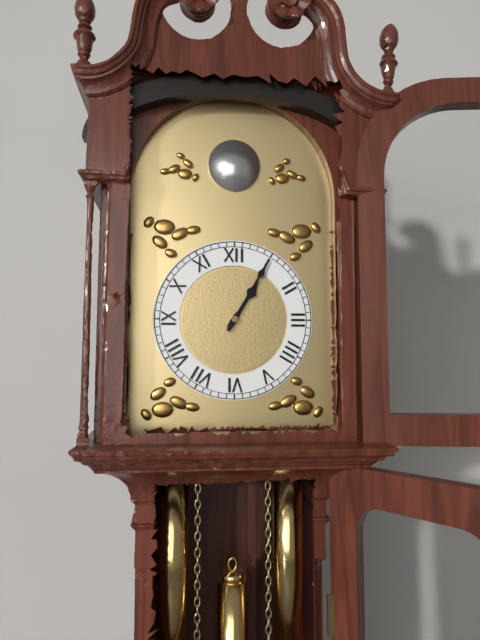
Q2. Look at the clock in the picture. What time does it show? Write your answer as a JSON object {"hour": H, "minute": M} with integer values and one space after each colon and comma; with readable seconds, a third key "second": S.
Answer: {"hour": 1, "minute": 5}
